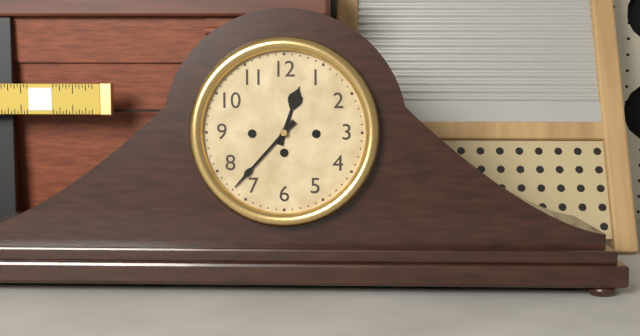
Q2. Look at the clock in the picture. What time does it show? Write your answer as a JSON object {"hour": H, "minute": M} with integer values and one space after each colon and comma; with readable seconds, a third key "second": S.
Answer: {"hour": 12, "minute": 37}
